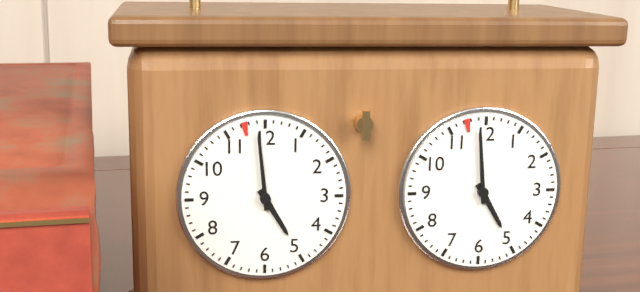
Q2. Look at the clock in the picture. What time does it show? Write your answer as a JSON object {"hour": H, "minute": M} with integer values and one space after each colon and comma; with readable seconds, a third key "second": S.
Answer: {"hour": 4, "minute": 59}
